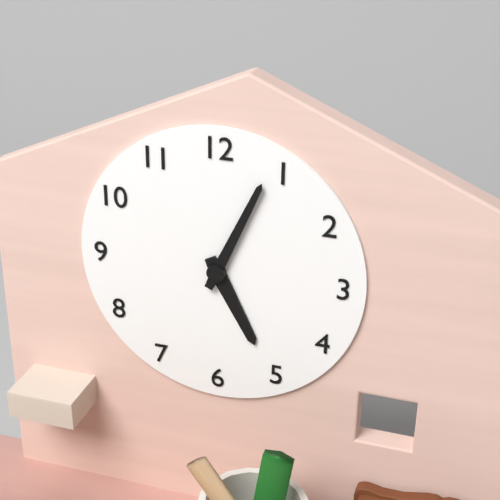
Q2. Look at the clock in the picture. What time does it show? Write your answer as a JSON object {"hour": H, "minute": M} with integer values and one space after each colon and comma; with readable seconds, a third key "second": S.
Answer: {"hour": 5, "minute": 4}
